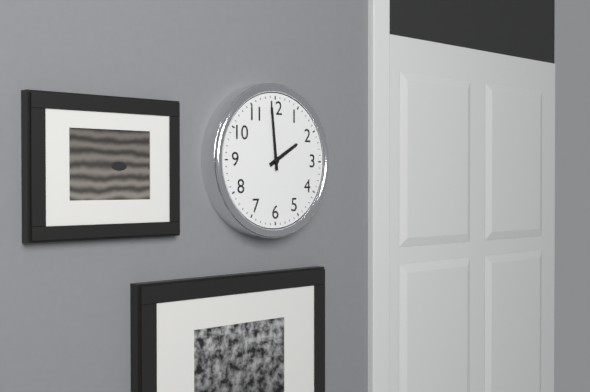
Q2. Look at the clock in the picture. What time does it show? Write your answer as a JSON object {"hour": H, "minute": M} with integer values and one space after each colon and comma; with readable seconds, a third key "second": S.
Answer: {"hour": 1, "minute": 59}
